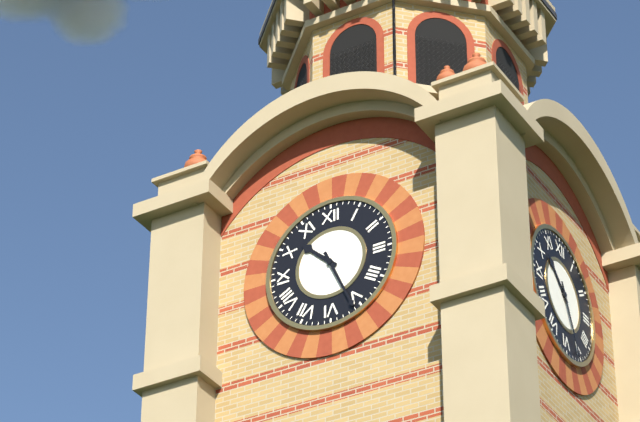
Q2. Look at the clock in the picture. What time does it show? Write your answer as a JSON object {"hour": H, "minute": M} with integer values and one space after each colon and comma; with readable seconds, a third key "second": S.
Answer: {"hour": 10, "minute": 26}
